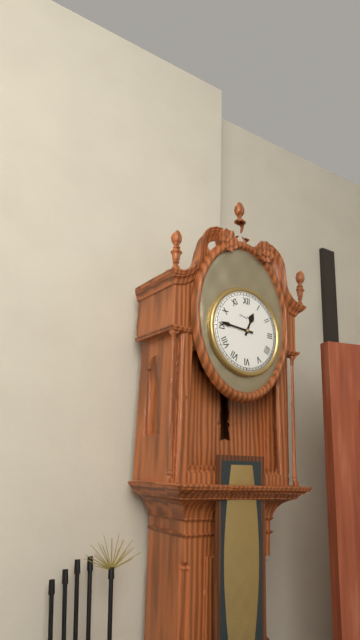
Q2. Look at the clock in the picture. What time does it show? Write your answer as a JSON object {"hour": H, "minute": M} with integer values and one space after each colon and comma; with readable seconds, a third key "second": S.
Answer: {"hour": 12, "minute": 46}
